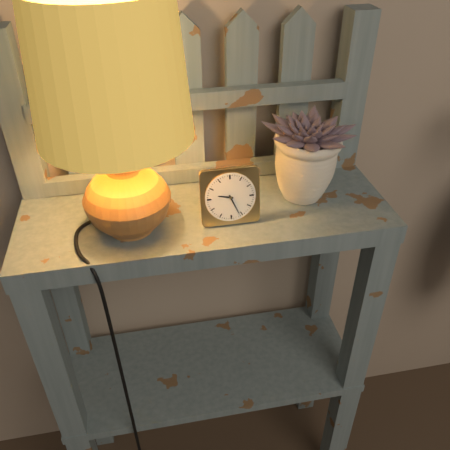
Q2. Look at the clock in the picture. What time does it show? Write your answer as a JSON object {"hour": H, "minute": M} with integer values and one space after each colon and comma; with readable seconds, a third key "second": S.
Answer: {"hour": 9, "minute": 26}
